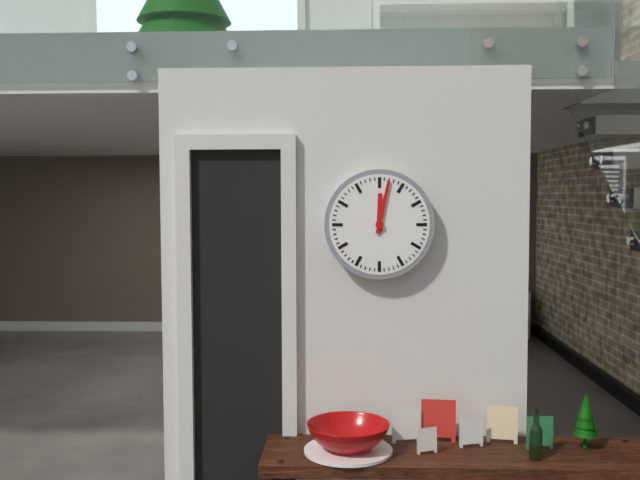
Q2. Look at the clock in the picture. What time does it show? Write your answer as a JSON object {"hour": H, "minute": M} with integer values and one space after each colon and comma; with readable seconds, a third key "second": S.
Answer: {"hour": 12, "minute": 2}
